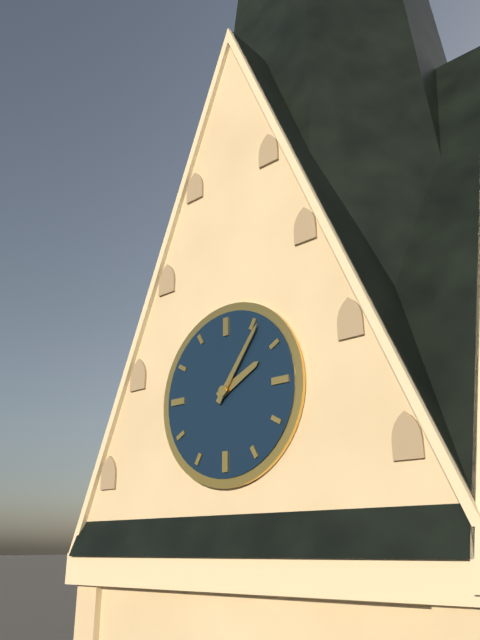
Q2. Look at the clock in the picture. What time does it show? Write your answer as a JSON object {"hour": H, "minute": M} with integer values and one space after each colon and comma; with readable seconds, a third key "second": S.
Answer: {"hour": 2, "minute": 6}
